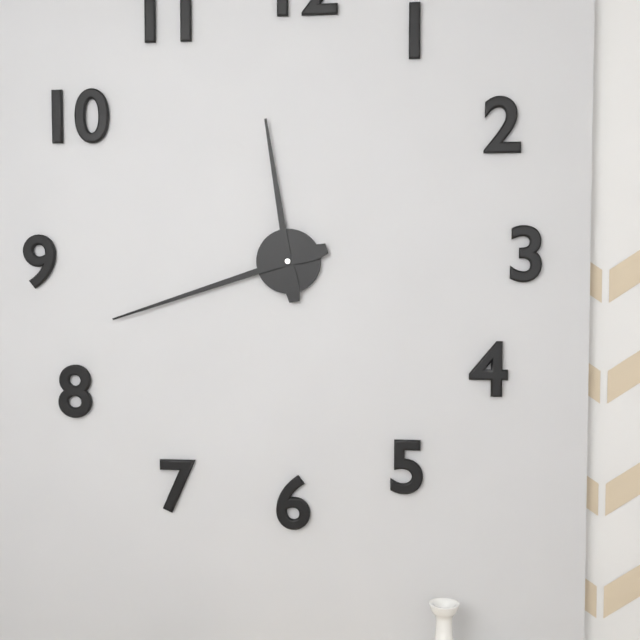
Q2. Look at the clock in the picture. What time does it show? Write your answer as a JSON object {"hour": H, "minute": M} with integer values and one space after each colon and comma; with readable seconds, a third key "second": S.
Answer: {"hour": 11, "minute": 42}
